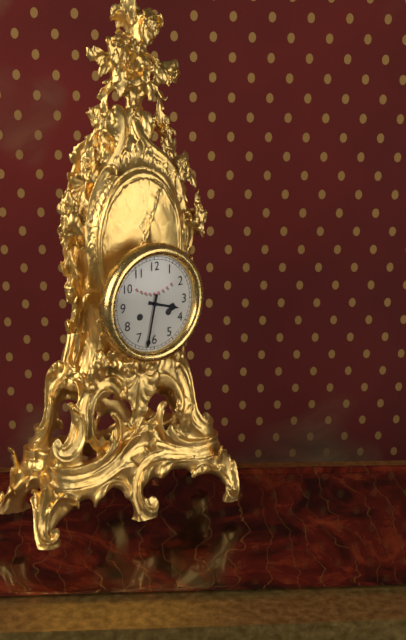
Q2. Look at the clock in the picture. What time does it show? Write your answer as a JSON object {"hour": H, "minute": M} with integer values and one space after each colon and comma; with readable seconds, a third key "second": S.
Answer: {"hour": 3, "minute": 32}
